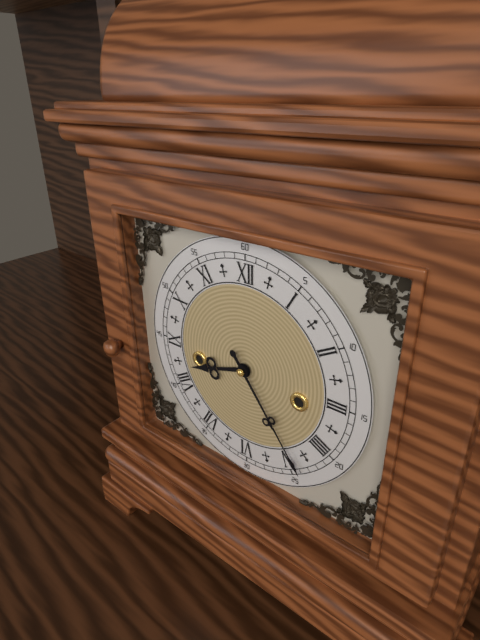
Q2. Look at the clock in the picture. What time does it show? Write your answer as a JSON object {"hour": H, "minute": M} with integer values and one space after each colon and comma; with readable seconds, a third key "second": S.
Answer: {"hour": 8, "minute": 24}
